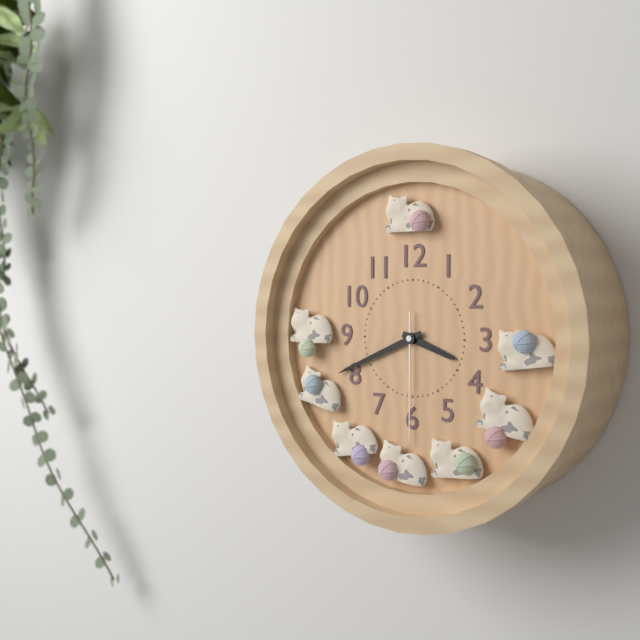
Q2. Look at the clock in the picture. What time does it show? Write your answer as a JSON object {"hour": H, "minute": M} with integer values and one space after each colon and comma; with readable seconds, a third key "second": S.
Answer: {"hour": 3, "minute": 41, "second": 30}
